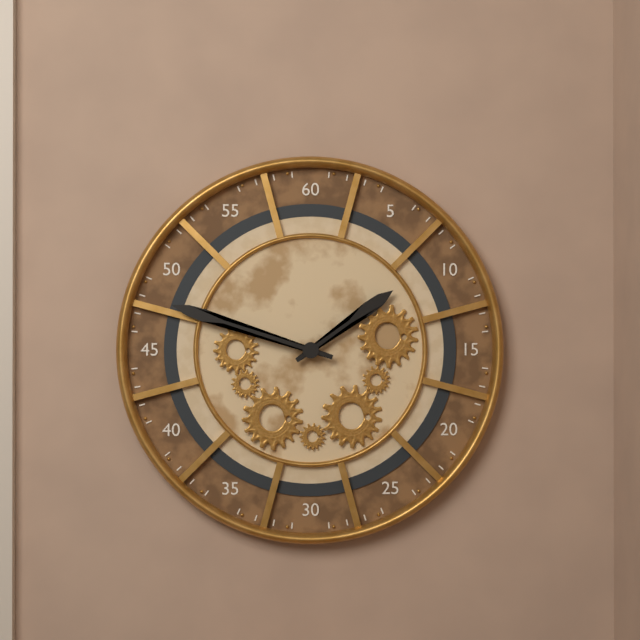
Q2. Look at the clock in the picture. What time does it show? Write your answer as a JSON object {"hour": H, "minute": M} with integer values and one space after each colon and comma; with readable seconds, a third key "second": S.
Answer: {"hour": 1, "minute": 48}
